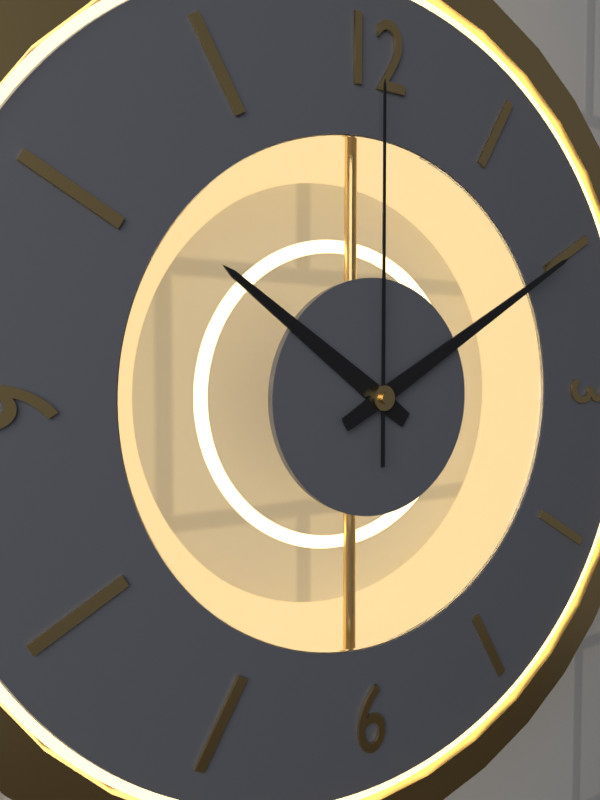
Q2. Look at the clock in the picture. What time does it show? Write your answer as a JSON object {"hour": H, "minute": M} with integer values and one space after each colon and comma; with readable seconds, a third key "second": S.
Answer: {"hour": 10, "minute": 10, "second": 0}
